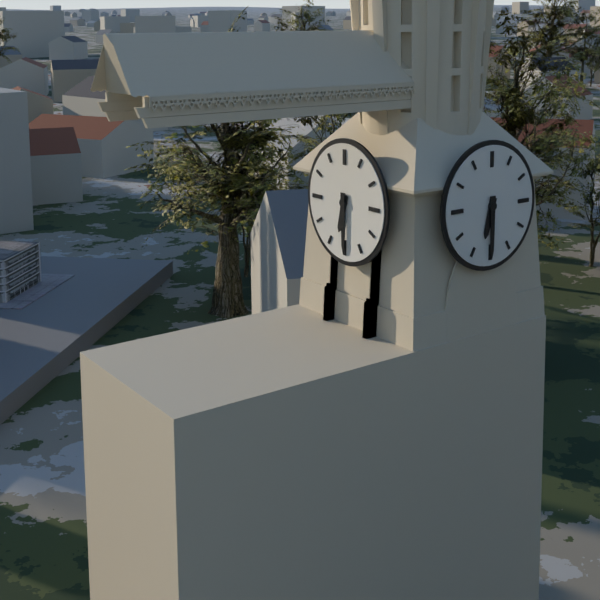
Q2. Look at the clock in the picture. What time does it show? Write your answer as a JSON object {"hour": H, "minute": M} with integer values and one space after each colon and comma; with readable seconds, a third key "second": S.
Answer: {"hour": 6, "minute": 30}
